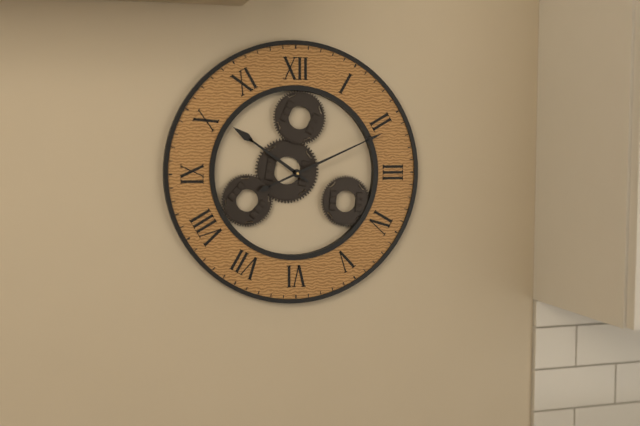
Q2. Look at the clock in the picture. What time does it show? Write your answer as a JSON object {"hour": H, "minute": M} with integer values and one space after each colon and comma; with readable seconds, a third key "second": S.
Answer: {"hour": 10, "minute": 11}
